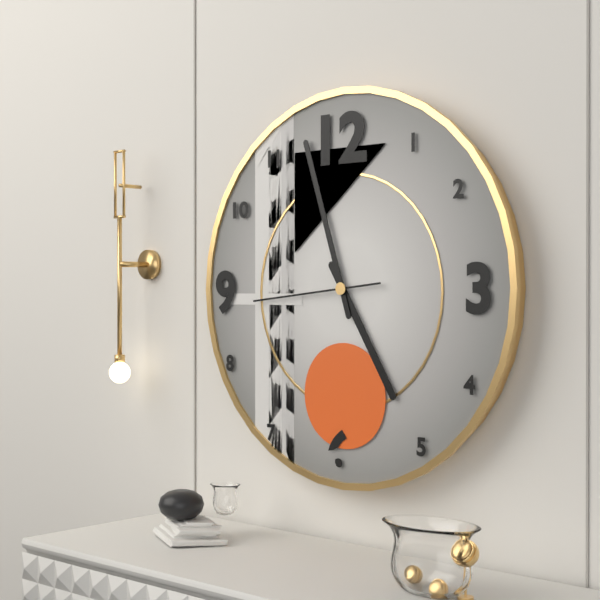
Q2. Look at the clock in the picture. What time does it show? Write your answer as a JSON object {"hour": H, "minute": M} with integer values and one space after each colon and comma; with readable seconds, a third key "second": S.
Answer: {"hour": 4, "minute": 57, "second": 44}
